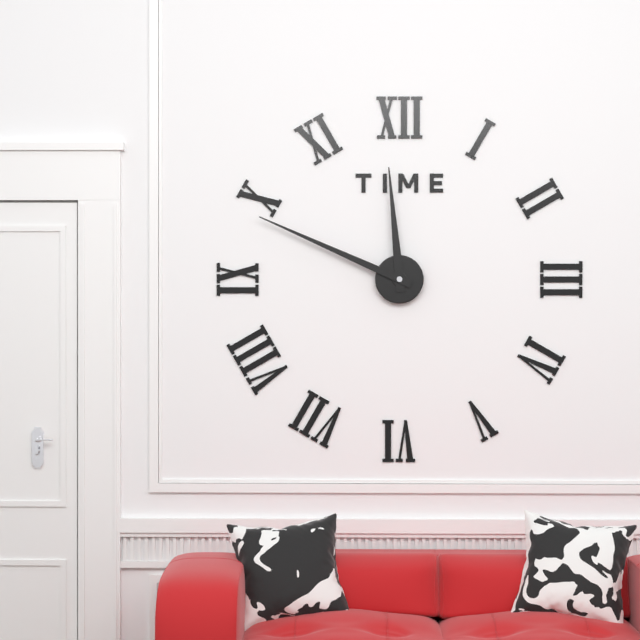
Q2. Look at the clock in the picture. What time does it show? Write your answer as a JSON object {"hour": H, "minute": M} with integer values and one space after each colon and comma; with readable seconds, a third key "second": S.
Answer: {"hour": 11, "minute": 49}
